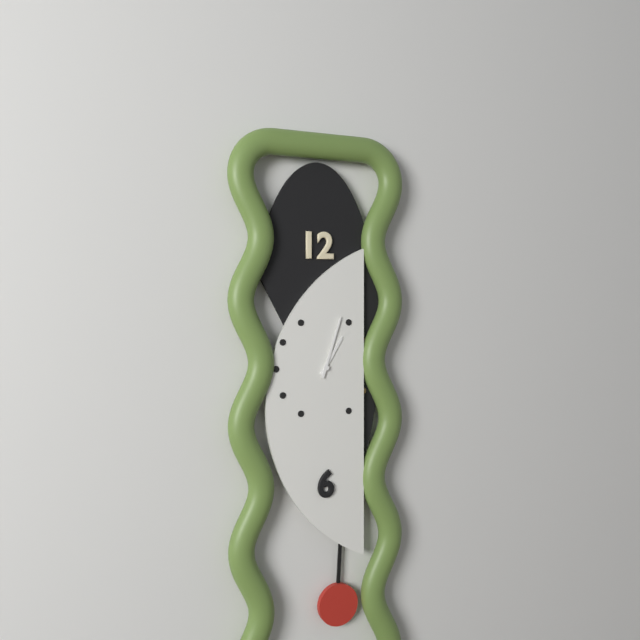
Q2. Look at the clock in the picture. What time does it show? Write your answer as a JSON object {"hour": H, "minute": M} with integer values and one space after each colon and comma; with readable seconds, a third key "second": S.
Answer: {"hour": 1, "minute": 3}
